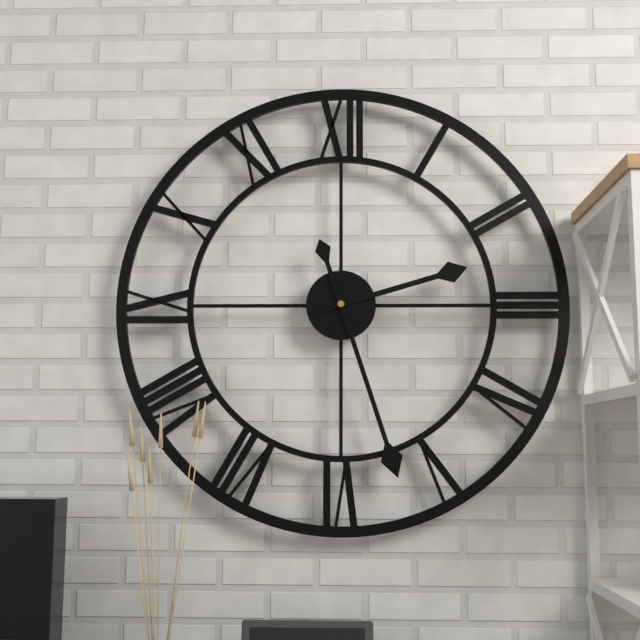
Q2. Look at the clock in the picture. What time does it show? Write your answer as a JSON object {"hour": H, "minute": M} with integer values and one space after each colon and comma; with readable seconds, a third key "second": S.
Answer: {"hour": 2, "minute": 27}
